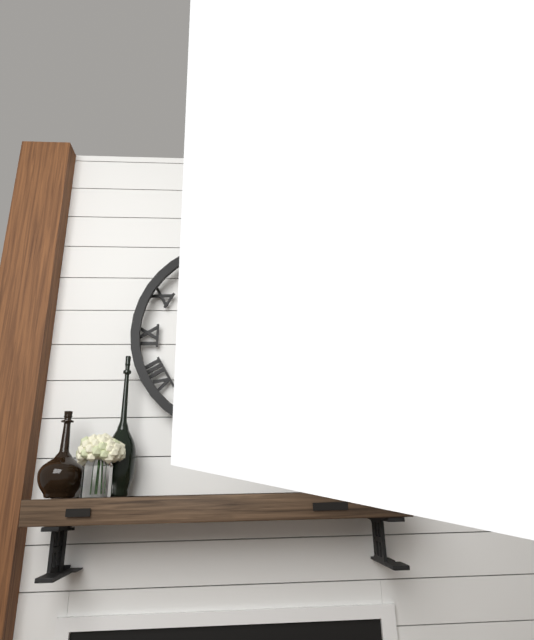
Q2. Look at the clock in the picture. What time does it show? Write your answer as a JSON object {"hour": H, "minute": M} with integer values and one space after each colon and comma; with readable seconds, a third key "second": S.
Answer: {"hour": 9, "minute": 38}
